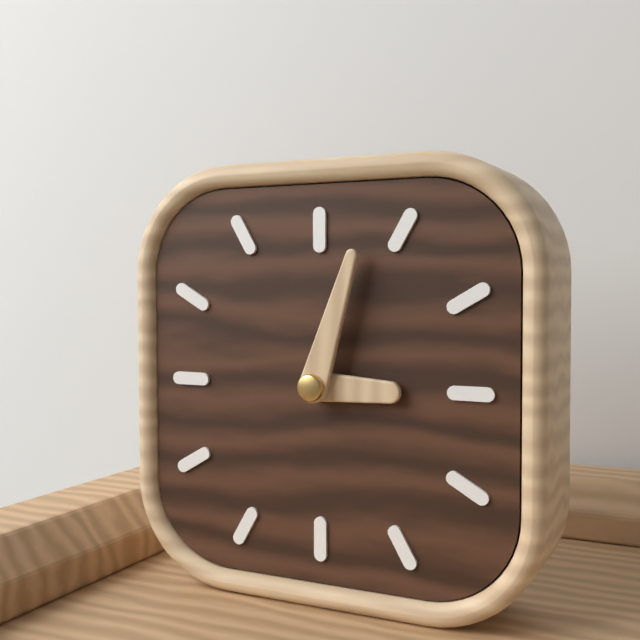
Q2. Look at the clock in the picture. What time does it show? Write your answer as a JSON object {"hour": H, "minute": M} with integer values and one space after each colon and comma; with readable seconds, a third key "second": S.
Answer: {"hour": 3, "minute": 3}
